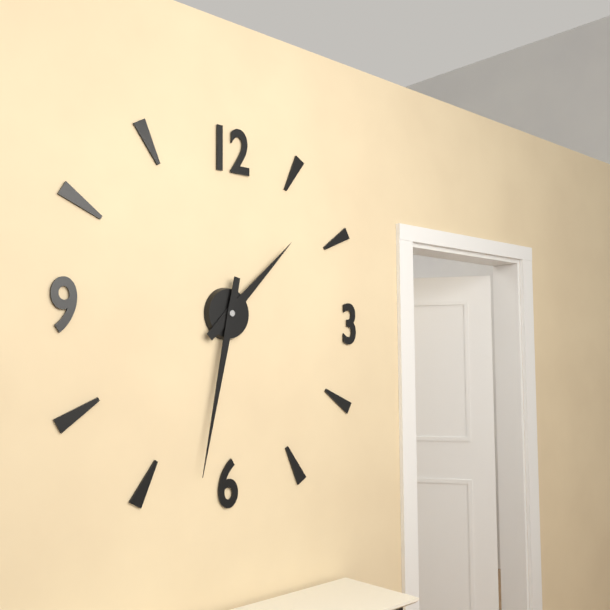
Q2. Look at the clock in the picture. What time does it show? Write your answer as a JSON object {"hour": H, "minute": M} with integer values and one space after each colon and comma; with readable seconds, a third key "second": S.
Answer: {"hour": 1, "minute": 32}
